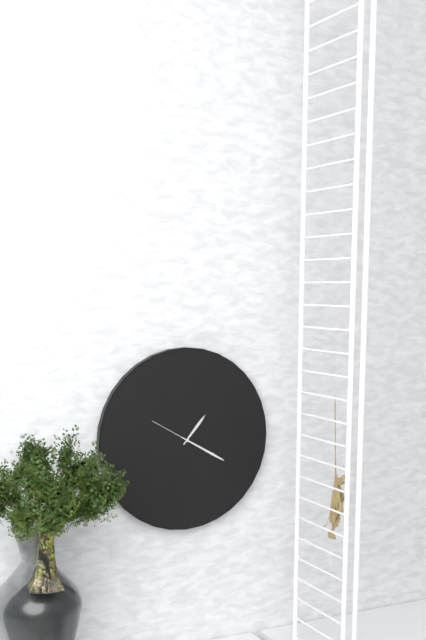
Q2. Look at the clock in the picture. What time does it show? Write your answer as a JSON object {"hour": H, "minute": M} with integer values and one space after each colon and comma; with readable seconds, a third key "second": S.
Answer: {"hour": 1, "minute": 20, "second": 50}
